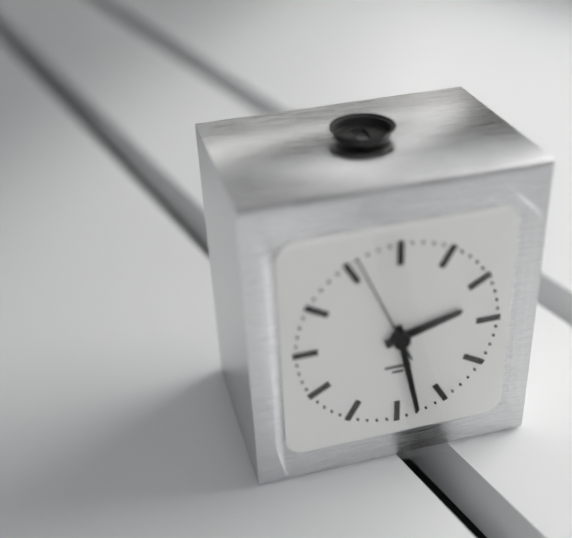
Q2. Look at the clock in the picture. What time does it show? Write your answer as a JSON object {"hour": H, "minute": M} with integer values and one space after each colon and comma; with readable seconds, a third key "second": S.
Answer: {"hour": 2, "minute": 28}
